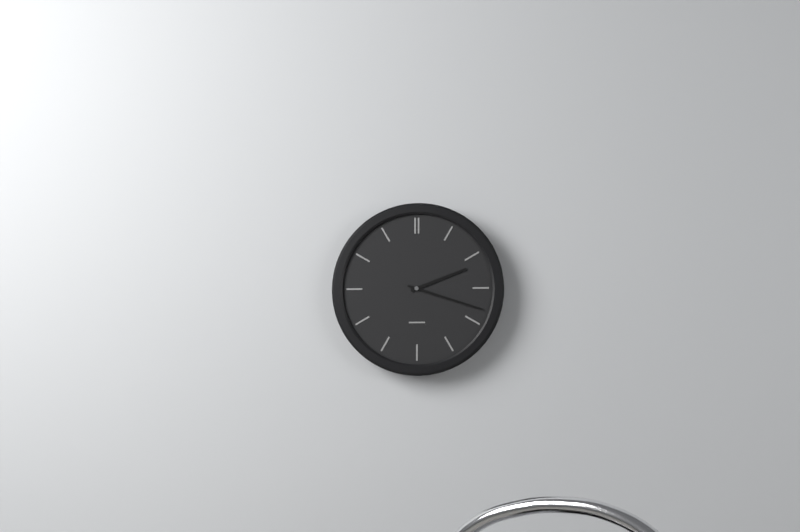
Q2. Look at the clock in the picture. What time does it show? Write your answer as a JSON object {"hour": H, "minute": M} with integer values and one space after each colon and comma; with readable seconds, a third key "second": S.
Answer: {"hour": 2, "minute": 18}
